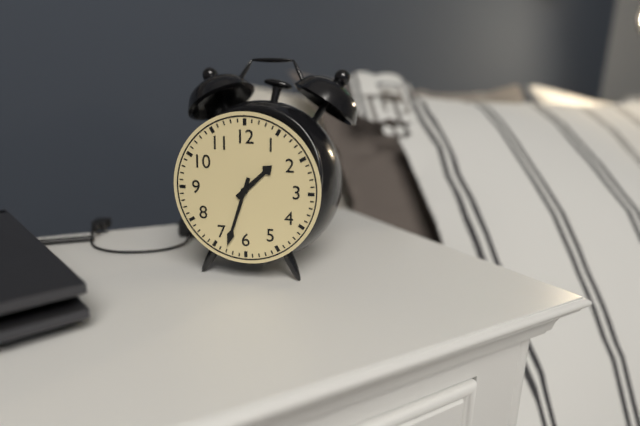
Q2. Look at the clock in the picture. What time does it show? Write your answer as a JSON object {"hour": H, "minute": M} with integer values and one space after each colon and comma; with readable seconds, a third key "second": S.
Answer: {"hour": 1, "minute": 33}
